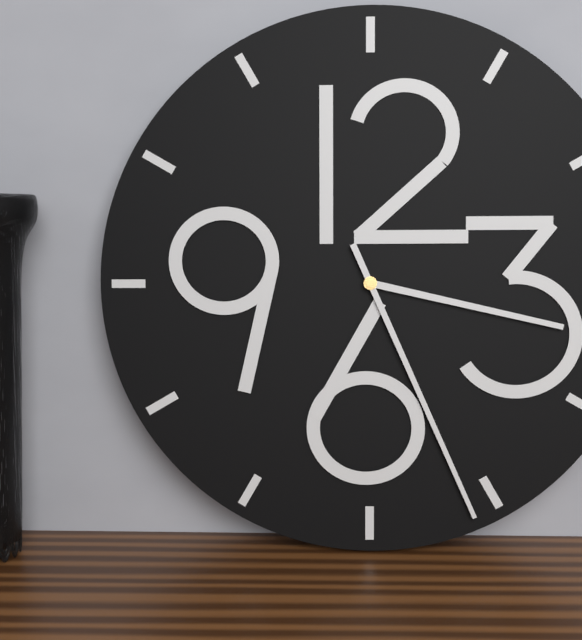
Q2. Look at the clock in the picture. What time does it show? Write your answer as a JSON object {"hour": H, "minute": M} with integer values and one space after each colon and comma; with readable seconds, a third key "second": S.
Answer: {"hour": 3, "minute": 26}
